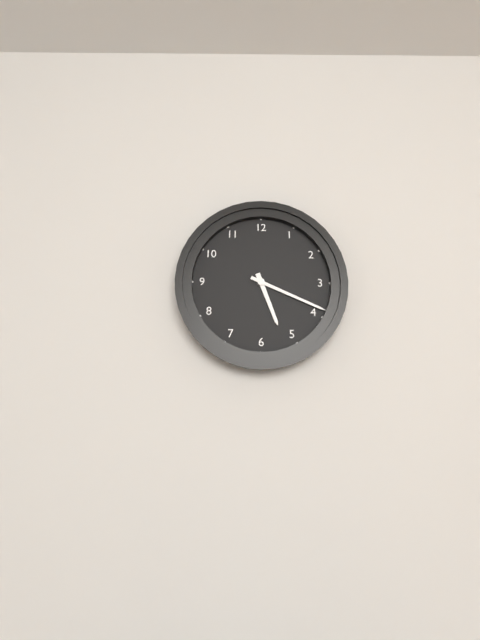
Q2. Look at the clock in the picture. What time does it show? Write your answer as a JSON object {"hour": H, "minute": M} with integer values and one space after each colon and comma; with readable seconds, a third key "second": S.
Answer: {"hour": 5, "minute": 19}
